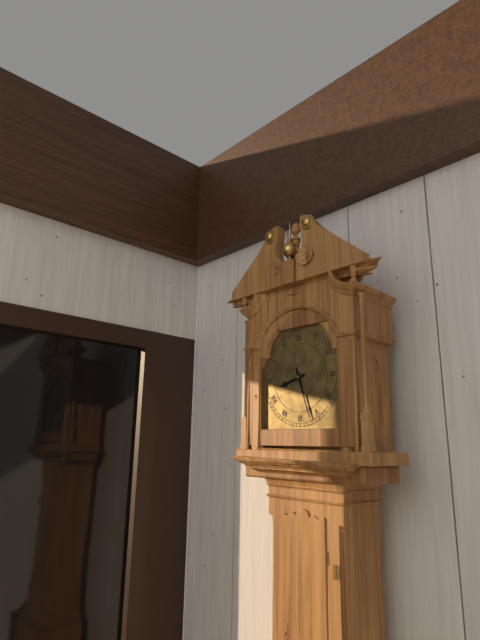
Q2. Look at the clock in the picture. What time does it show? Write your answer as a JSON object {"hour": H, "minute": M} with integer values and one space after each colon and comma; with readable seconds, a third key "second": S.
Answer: {"hour": 8, "minute": 27}
